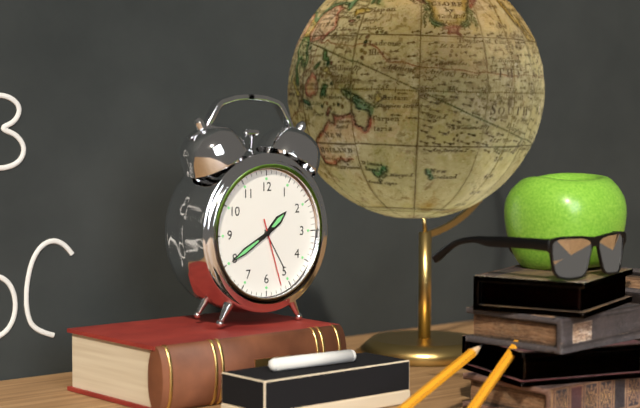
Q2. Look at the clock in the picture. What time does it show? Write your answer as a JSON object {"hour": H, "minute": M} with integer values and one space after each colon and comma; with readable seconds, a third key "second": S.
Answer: {"hour": 1, "minute": 40, "second": 27}
